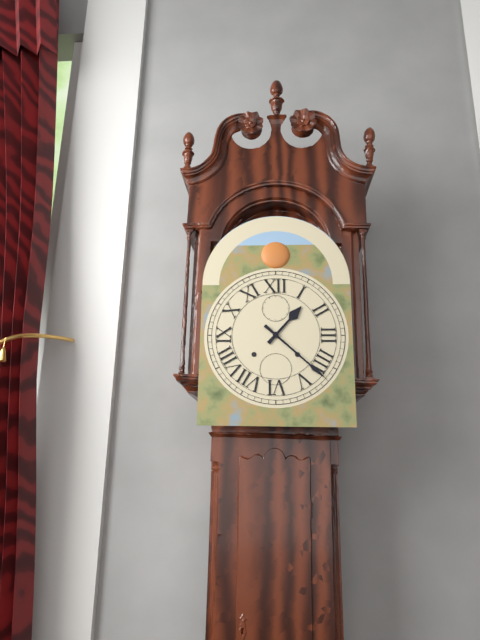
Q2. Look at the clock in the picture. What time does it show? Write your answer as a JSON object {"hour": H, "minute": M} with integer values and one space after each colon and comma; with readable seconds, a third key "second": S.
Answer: {"hour": 1, "minute": 22}
